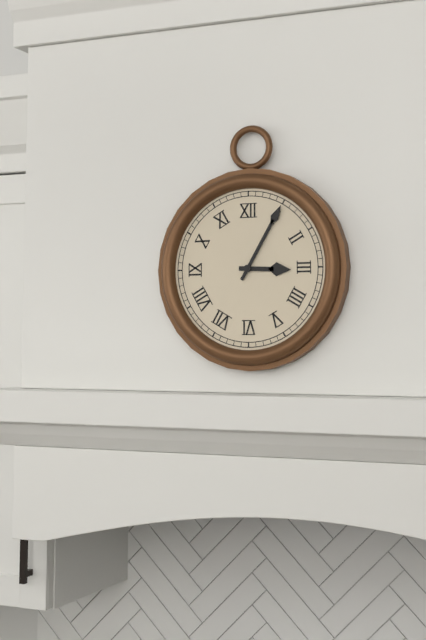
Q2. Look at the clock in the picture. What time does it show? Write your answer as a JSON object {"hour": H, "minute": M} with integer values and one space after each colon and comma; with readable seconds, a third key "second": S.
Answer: {"hour": 3, "minute": 5}
